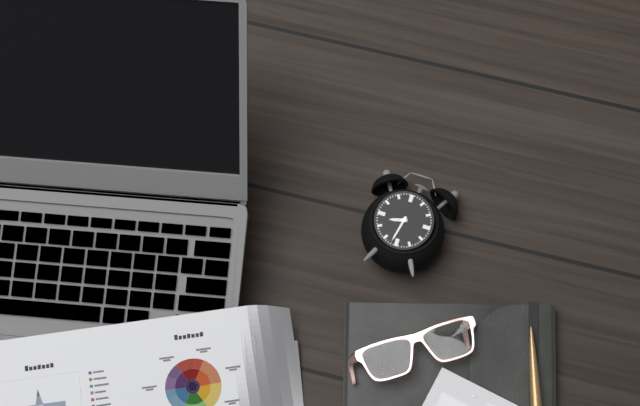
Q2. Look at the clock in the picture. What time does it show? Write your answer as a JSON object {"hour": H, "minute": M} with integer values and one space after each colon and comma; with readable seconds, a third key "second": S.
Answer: {"hour": 8, "minute": 32}
